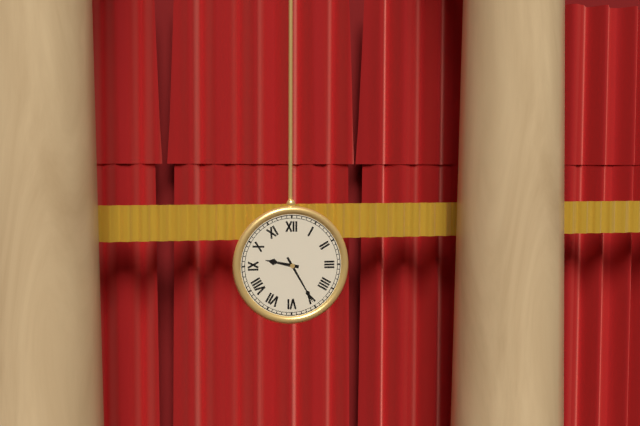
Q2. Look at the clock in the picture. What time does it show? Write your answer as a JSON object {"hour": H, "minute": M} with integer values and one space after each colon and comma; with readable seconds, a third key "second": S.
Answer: {"hour": 9, "minute": 25}
